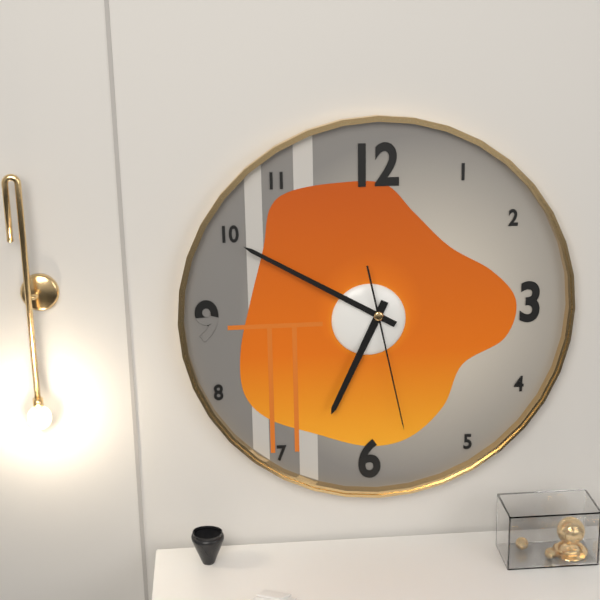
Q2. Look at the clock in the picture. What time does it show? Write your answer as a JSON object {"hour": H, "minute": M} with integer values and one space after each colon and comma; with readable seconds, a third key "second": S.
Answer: {"hour": 6, "minute": 50, "second": 28}
